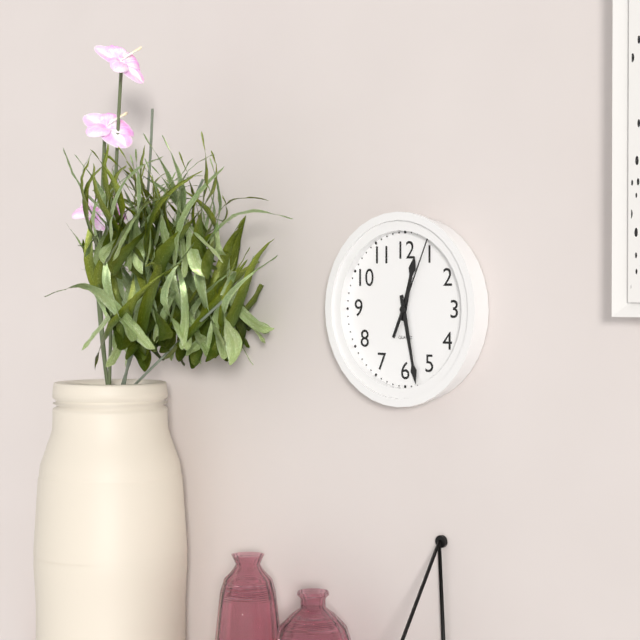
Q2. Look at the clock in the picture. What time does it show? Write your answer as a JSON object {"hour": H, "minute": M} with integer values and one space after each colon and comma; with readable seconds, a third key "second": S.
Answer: {"hour": 12, "minute": 28, "second": 4}
